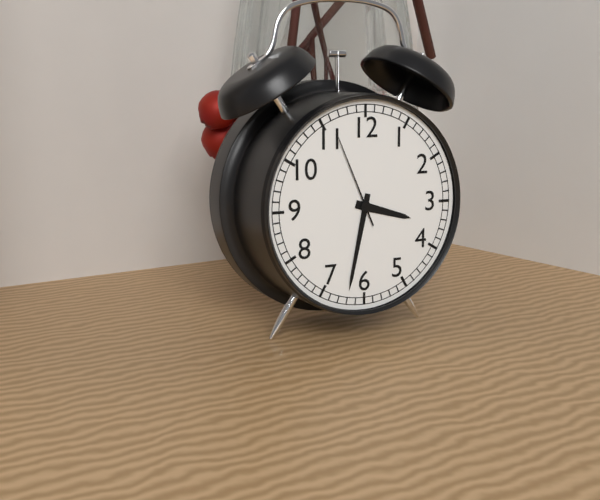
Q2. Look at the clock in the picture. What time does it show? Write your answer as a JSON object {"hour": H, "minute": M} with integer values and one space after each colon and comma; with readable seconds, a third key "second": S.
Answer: {"hour": 3, "minute": 32, "second": 56}
